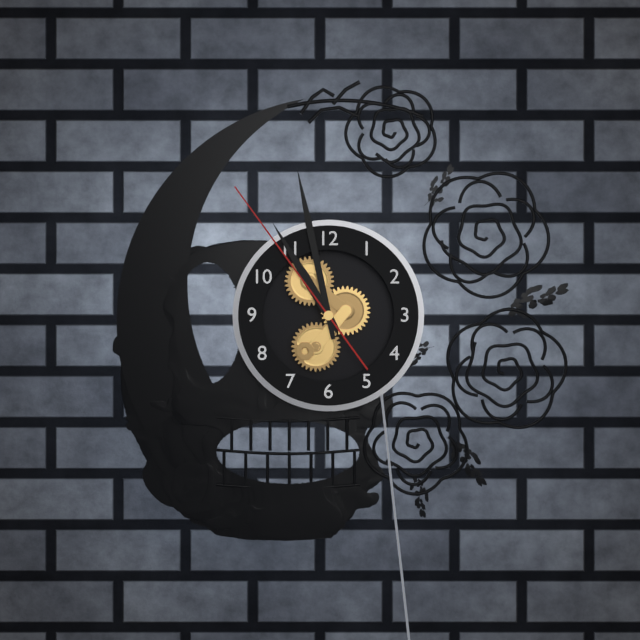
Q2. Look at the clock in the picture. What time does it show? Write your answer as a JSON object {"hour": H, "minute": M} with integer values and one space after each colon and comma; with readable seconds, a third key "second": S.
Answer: {"hour": 10, "minute": 58, "second": 54}
